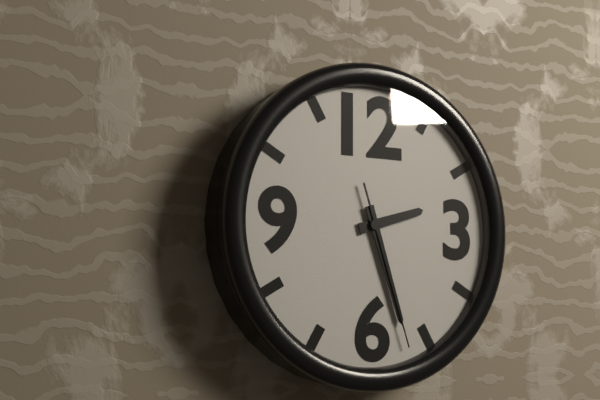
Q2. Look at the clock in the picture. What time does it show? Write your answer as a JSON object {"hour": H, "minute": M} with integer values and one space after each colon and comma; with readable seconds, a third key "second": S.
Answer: {"hour": 2, "minute": 27, "second": 27}
